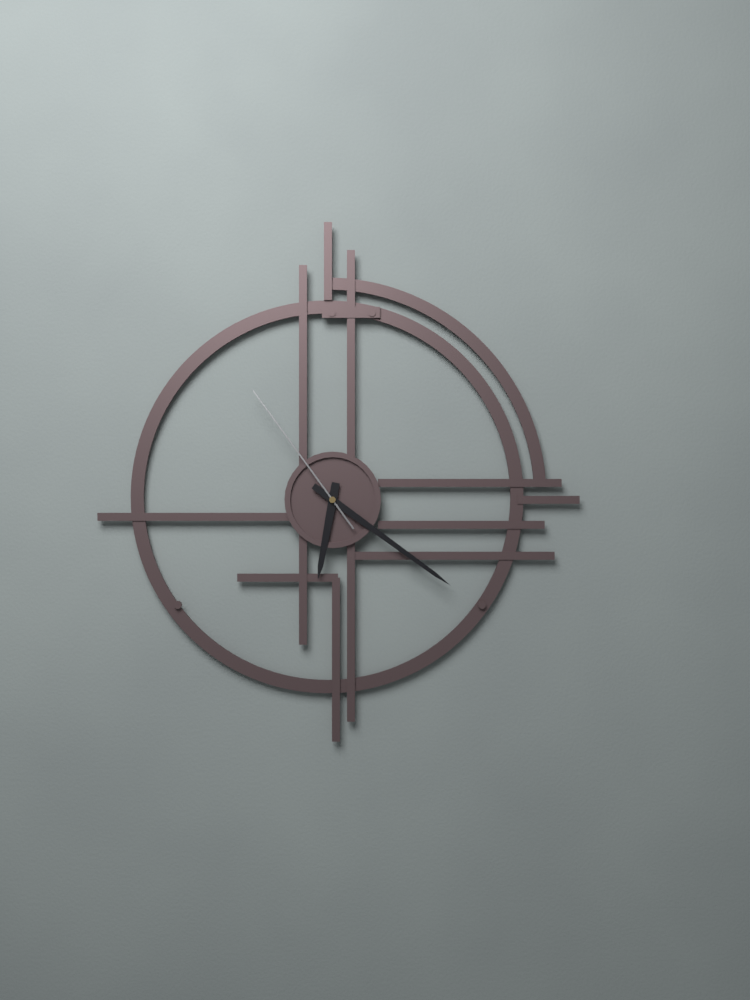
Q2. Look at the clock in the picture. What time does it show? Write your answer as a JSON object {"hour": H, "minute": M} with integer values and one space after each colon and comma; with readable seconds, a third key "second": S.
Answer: {"hour": 6, "minute": 21, "second": 54}
